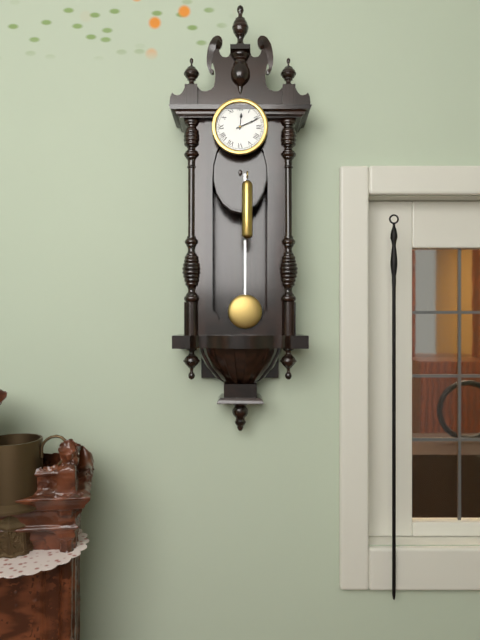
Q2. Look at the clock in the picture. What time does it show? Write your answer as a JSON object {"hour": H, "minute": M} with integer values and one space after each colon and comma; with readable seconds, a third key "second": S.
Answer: {"hour": 12, "minute": 11}
